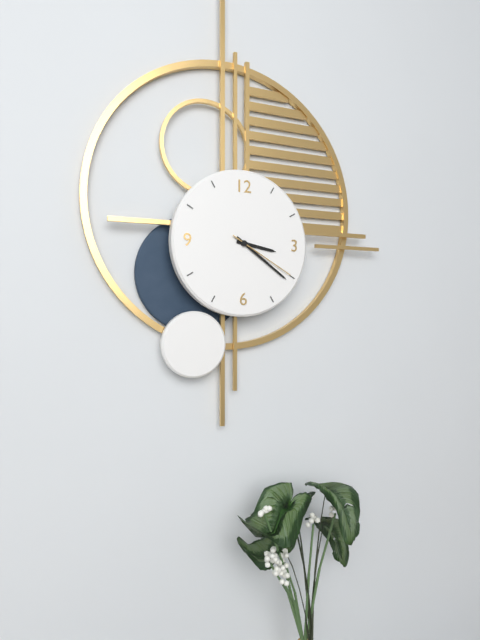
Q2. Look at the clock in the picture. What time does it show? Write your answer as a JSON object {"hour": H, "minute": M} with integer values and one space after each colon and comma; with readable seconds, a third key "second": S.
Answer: {"hour": 3, "minute": 21, "second": 20}
